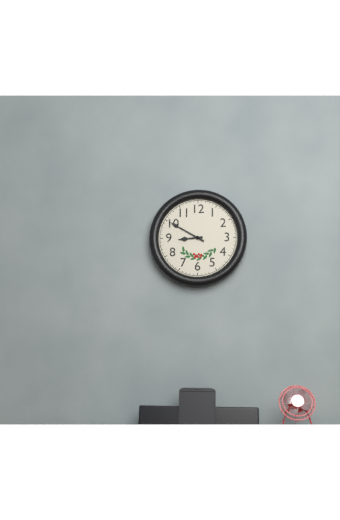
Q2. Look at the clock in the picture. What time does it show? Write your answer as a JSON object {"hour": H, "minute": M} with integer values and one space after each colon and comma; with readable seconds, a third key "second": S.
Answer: {"hour": 8, "minute": 50}
